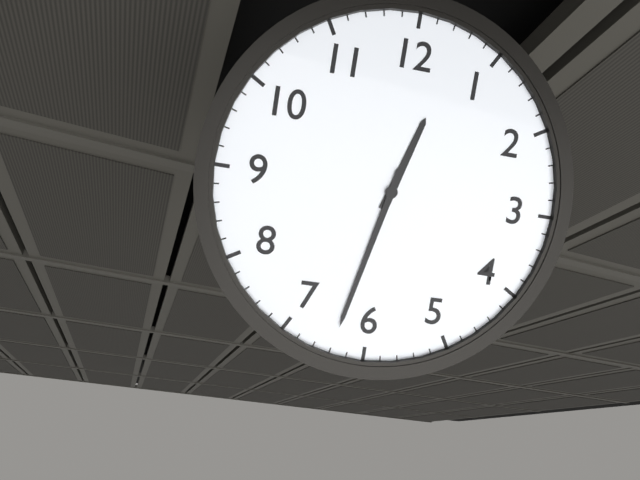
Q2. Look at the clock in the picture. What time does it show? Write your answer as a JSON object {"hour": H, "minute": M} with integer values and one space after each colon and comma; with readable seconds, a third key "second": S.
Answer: {"hour": 12, "minute": 32}
